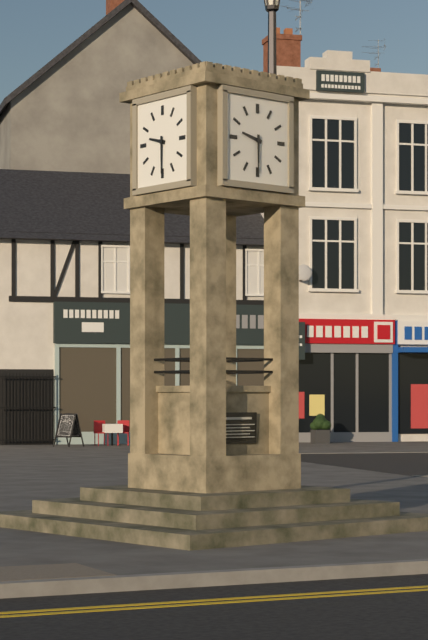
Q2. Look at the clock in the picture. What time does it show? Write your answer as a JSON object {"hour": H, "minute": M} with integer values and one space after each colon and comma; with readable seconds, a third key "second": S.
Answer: {"hour": 9, "minute": 30}
